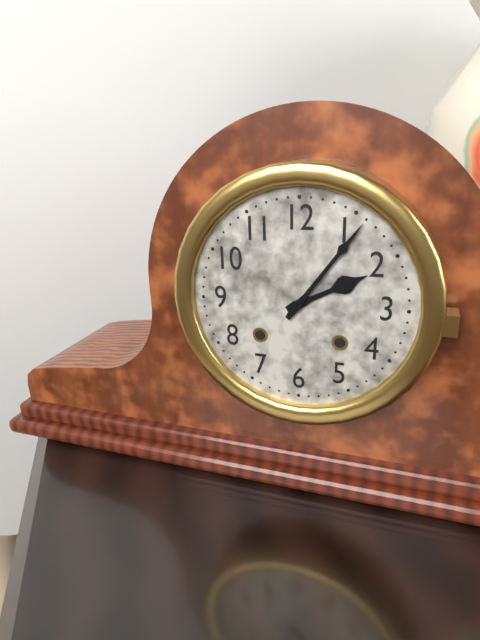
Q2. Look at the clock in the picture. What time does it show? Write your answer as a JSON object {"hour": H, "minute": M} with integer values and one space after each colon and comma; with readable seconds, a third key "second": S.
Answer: {"hour": 2, "minute": 6}
